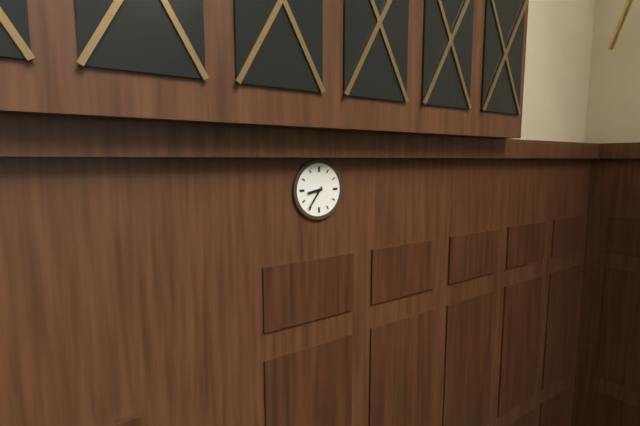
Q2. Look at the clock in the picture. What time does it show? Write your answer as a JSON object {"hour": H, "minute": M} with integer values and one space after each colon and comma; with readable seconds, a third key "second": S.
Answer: {"hour": 8, "minute": 36}
